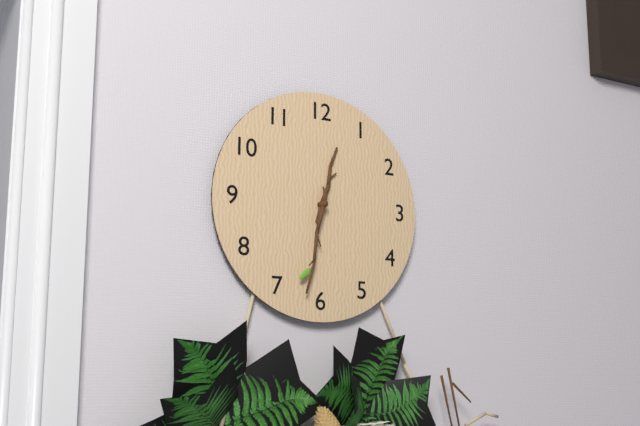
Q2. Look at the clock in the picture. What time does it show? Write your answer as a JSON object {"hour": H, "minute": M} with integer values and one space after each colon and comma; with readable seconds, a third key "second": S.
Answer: {"hour": 12, "minute": 32}
